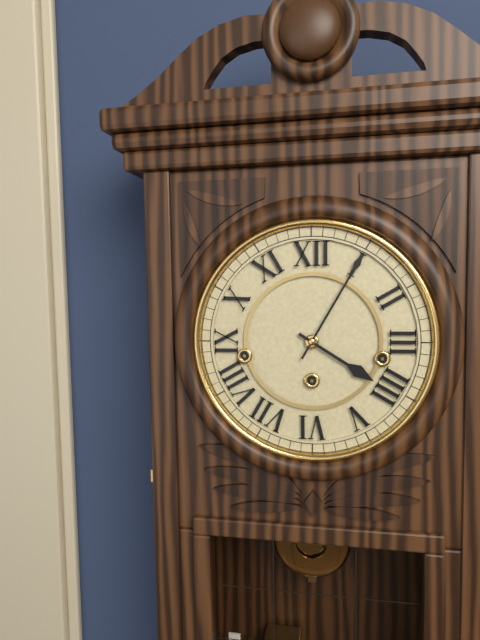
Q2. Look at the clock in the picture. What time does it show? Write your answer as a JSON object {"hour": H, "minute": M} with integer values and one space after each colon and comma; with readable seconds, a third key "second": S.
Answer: {"hour": 4, "minute": 5}
